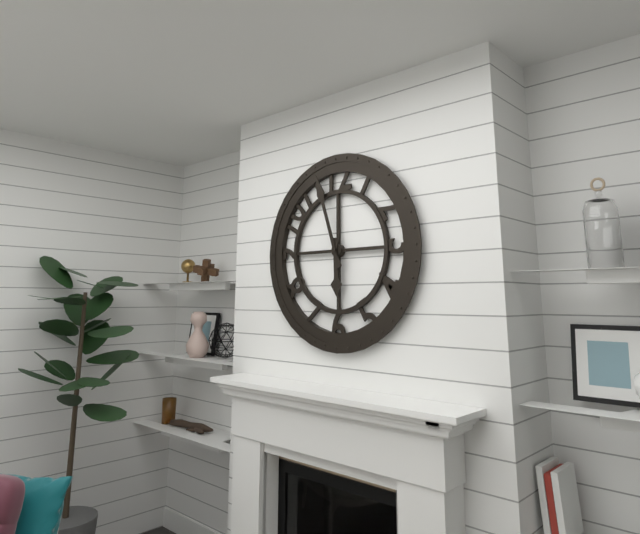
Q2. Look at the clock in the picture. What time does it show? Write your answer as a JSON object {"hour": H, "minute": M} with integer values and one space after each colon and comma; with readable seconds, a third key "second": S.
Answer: {"hour": 5, "minute": 57}
